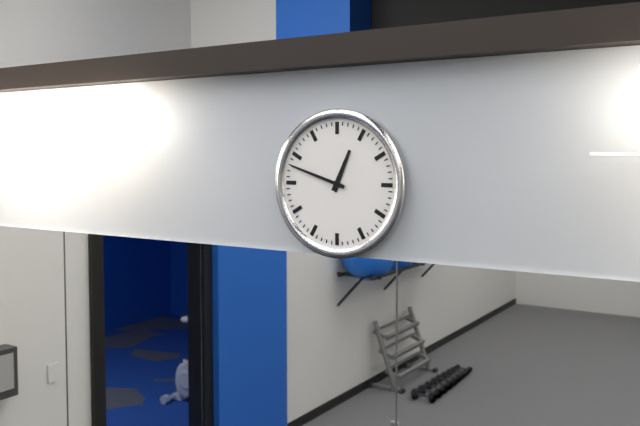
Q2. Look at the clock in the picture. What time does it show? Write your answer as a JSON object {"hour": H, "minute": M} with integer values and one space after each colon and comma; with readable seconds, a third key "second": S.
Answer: {"hour": 12, "minute": 48}
